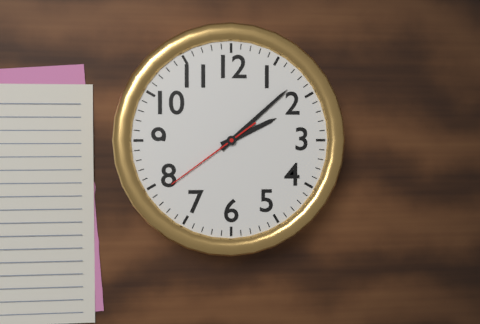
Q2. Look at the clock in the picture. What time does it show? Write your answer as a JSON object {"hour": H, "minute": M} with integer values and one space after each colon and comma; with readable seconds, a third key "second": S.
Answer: {"hour": 2, "minute": 8, "second": 39}
